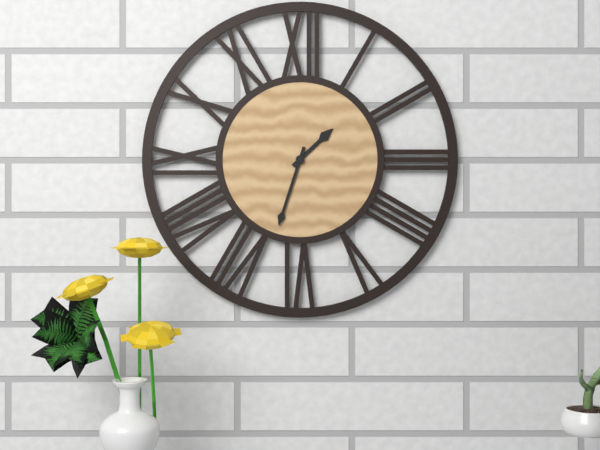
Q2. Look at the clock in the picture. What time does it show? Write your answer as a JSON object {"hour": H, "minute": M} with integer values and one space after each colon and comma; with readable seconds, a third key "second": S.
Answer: {"hour": 1, "minute": 33}
